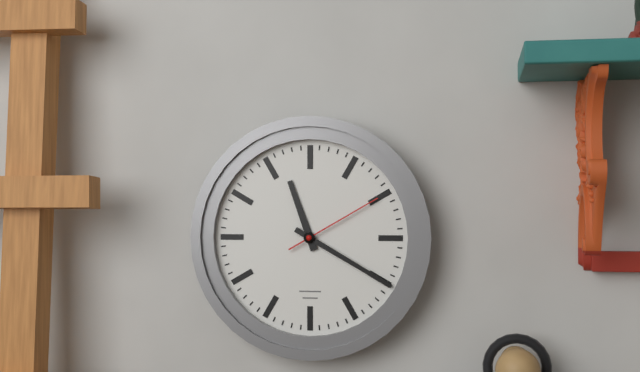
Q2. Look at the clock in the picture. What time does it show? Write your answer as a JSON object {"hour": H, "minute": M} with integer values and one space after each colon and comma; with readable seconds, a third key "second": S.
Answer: {"hour": 11, "minute": 20, "second": 10}
